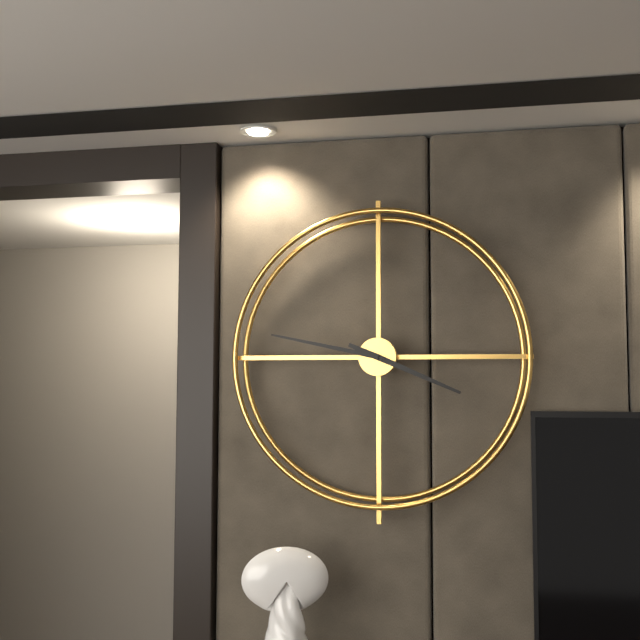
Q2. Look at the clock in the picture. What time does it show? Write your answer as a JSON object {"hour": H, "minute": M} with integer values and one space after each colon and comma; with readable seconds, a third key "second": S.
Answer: {"hour": 3, "minute": 47}
